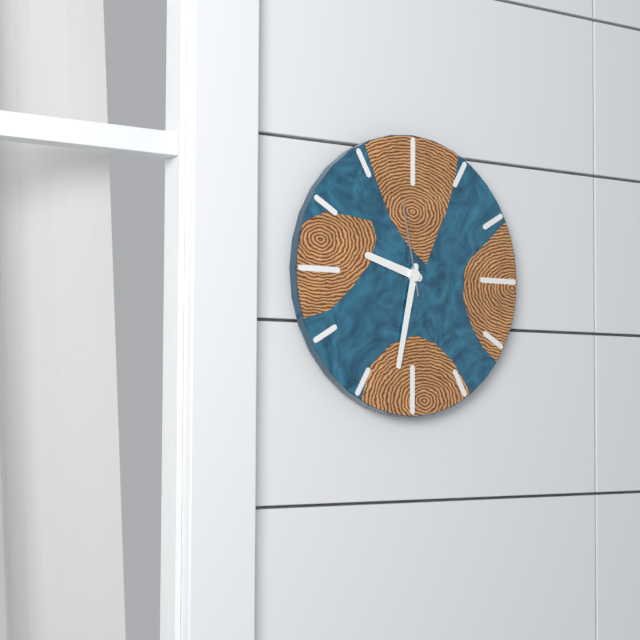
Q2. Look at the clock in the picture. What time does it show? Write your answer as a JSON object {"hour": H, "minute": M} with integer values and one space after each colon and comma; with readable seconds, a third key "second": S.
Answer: {"hour": 9, "minute": 32, "second": 58}
